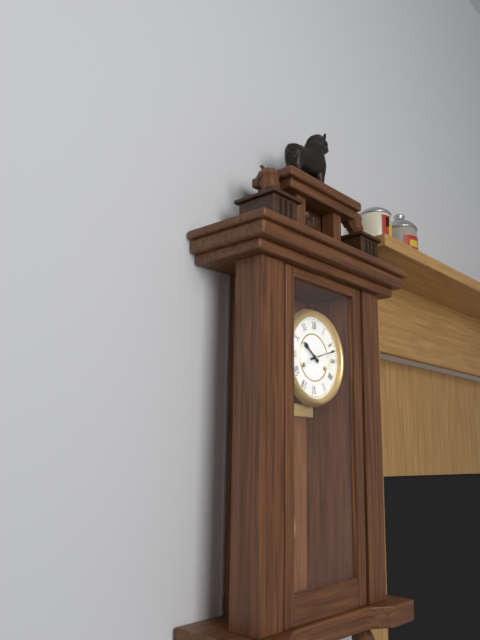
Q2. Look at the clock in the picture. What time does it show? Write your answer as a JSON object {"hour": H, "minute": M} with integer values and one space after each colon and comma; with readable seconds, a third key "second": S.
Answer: {"hour": 10, "minute": 12}
